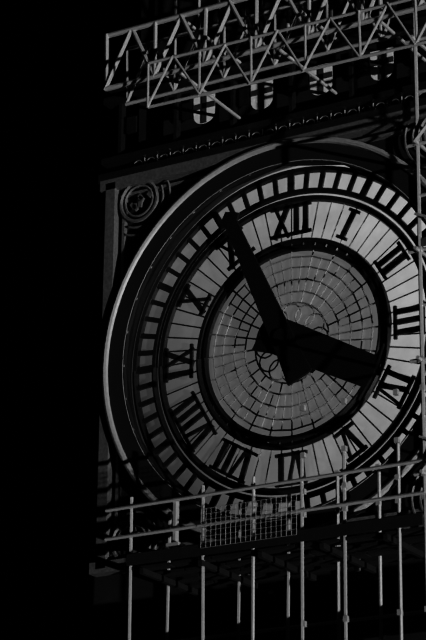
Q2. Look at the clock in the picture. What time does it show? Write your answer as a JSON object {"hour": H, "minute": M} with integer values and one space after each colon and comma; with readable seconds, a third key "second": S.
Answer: {"hour": 3, "minute": 56}
